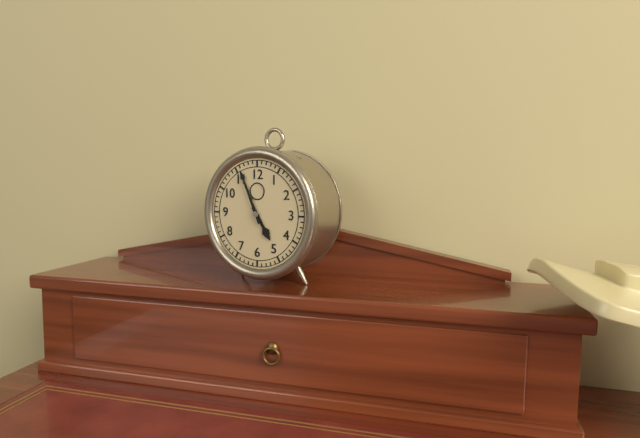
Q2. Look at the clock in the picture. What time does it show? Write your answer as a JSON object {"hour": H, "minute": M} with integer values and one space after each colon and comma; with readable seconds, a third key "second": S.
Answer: {"hour": 4, "minute": 56}
